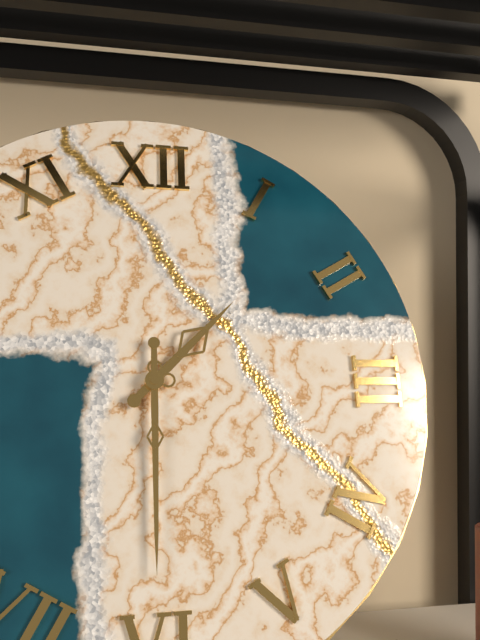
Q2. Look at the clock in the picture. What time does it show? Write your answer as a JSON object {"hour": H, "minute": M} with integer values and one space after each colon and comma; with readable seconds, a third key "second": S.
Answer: {"hour": 1, "minute": 30}
